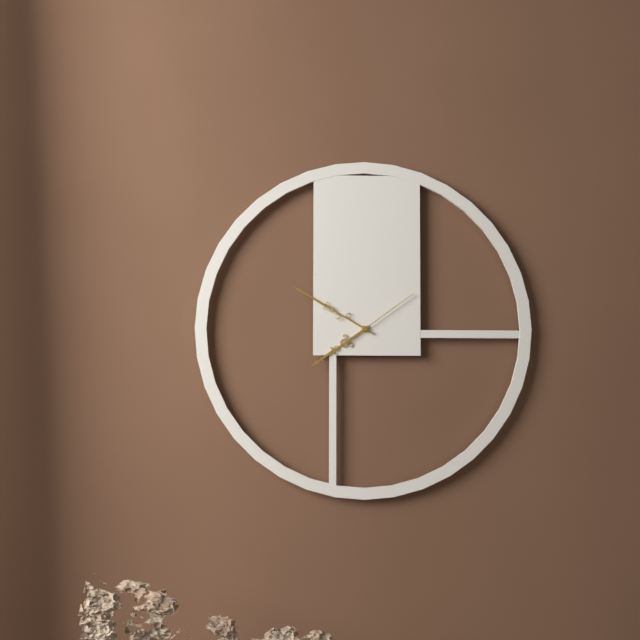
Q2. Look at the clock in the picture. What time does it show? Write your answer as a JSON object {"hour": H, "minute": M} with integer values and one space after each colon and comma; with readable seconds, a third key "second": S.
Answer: {"hour": 7, "minute": 50, "second": 9}
